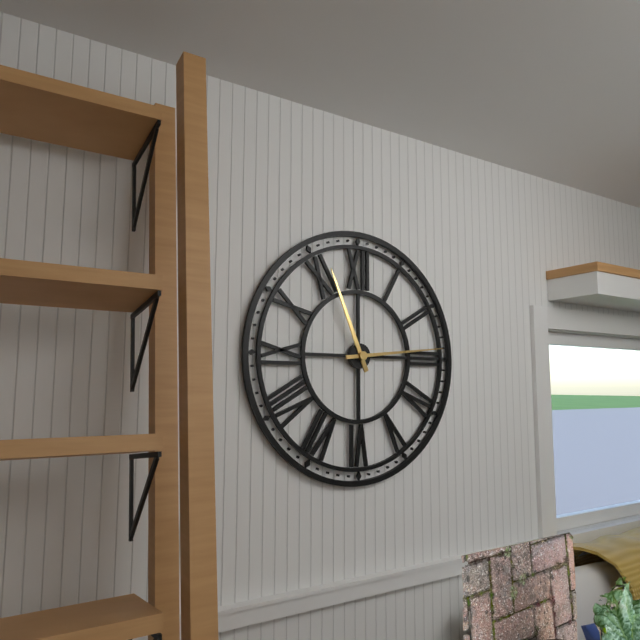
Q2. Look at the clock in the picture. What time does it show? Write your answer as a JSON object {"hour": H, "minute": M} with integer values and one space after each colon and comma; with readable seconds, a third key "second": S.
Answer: {"hour": 11, "minute": 14}
